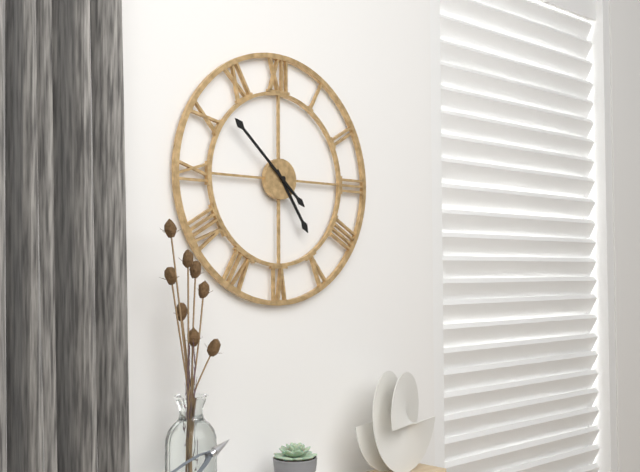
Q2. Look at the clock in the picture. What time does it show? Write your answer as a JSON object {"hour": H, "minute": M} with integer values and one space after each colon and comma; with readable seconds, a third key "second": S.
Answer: {"hour": 4, "minute": 52}
